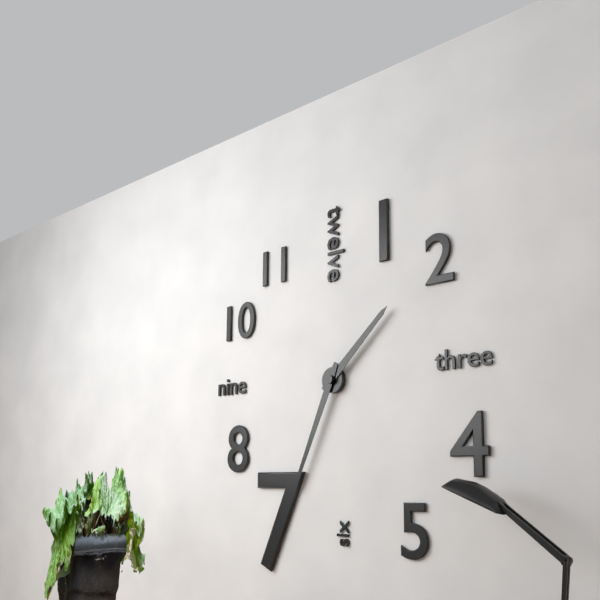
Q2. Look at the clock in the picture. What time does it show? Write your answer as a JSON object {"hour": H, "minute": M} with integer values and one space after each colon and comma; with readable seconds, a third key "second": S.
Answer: {"hour": 1, "minute": 34}
